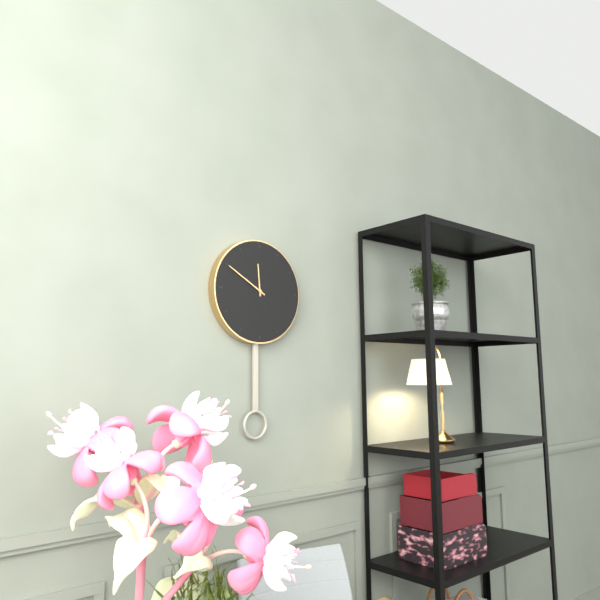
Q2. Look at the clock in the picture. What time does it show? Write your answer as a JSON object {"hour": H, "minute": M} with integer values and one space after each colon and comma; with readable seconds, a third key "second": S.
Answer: {"hour": 11, "minute": 50}
